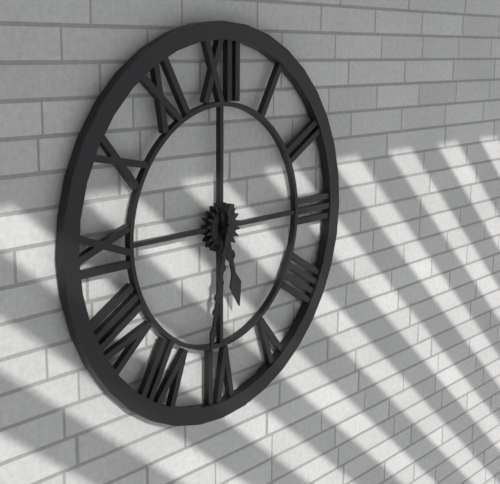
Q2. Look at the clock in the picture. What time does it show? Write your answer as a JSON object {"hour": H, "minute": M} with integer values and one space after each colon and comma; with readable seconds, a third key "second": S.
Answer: {"hour": 5, "minute": 32}
